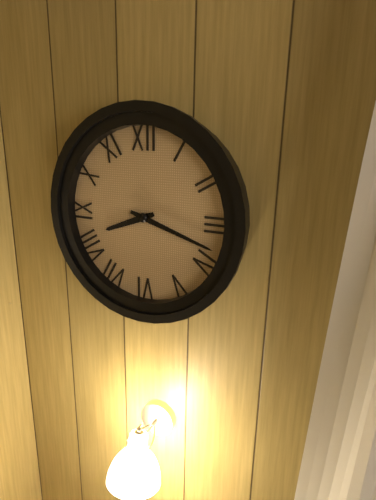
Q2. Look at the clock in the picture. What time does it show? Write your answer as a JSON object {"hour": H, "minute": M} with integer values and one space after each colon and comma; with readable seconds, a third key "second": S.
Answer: {"hour": 8, "minute": 18}
